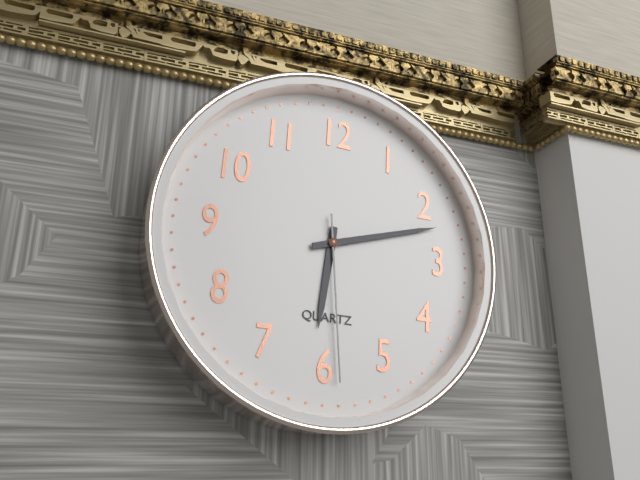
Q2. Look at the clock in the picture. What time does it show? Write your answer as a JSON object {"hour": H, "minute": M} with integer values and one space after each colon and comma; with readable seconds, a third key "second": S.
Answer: {"hour": 6, "minute": 12, "second": 29}
